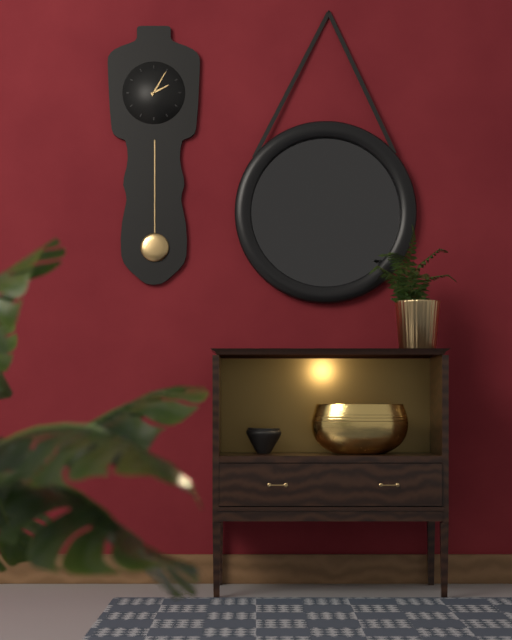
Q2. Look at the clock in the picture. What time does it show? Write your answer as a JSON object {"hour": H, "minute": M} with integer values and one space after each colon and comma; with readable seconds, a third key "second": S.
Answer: {"hour": 2, "minute": 5}
